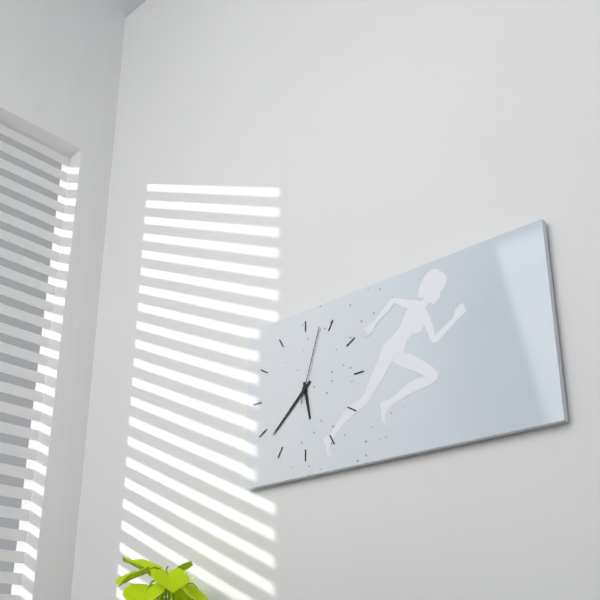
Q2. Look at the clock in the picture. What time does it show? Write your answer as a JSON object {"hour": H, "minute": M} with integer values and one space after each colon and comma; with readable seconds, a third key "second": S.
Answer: {"hour": 5, "minute": 38, "second": 3}
